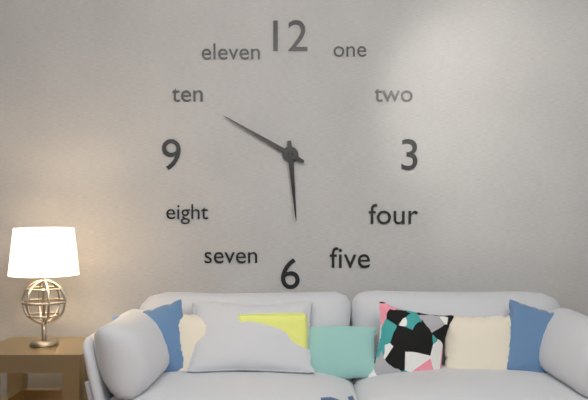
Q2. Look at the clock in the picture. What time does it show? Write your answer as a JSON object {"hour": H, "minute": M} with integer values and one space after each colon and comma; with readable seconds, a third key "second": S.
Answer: {"hour": 5, "minute": 50}
